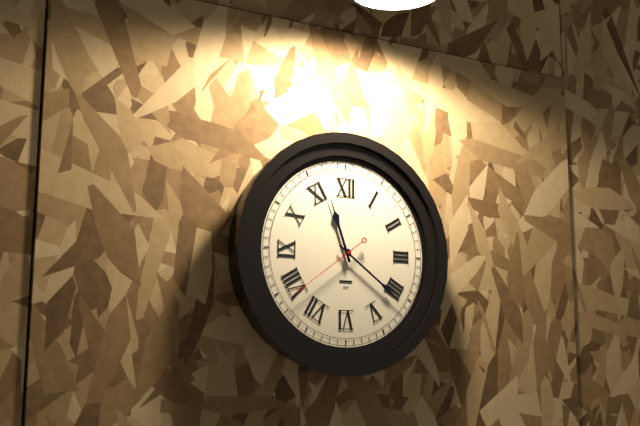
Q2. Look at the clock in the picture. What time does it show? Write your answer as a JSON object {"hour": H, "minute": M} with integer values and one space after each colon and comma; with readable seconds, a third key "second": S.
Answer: {"hour": 11, "minute": 21, "second": 39}
